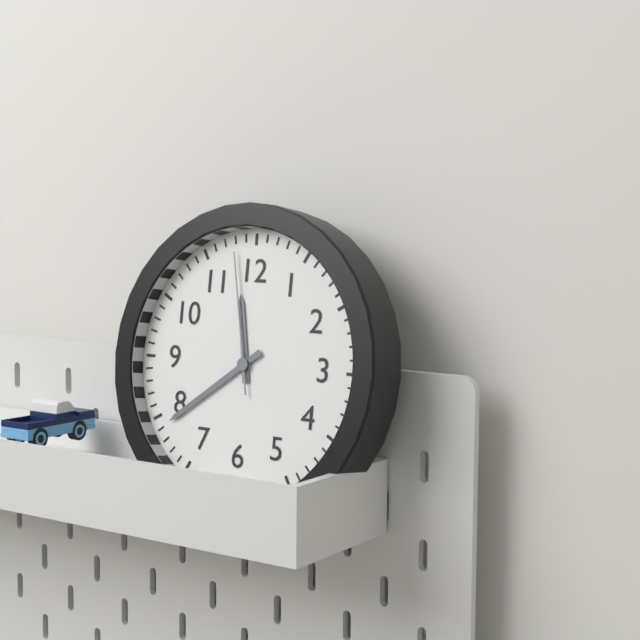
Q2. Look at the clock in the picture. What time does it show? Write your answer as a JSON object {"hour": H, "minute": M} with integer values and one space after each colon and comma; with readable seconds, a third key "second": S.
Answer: {"hour": 11, "minute": 39, "second": 58}
